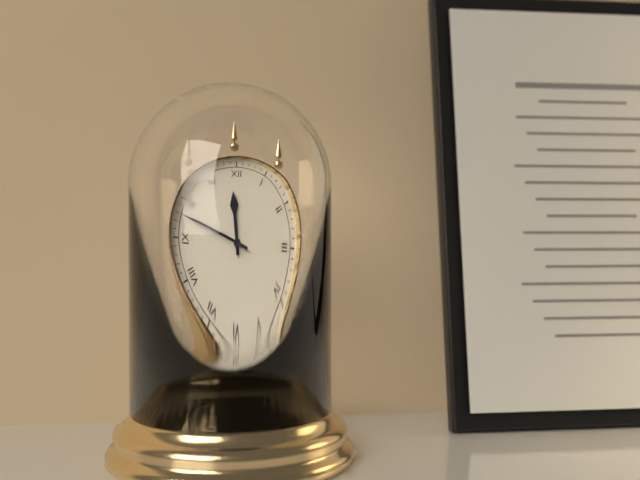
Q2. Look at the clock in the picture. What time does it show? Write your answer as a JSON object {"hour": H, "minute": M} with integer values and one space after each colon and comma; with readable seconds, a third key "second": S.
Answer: {"hour": 11, "minute": 48}
